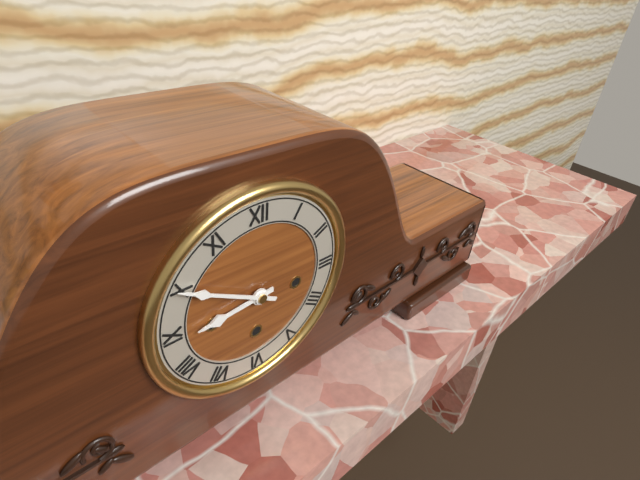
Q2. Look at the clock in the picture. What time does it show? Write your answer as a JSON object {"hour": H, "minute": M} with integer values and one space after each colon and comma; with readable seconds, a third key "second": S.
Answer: {"hour": 8, "minute": 50}
